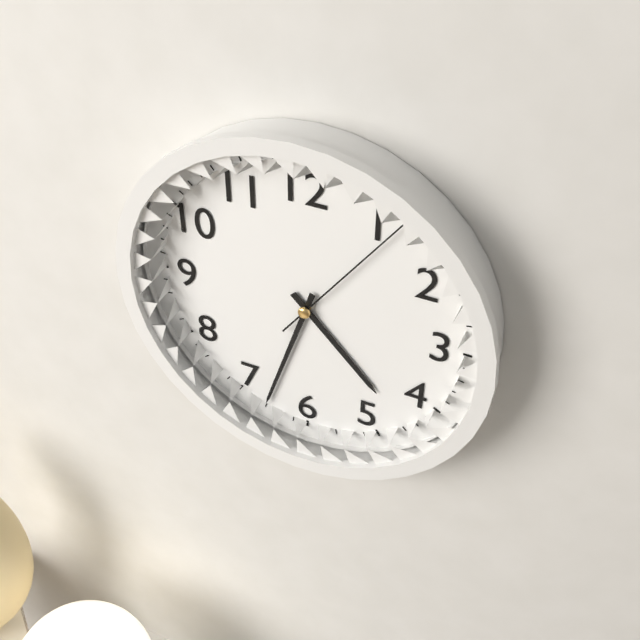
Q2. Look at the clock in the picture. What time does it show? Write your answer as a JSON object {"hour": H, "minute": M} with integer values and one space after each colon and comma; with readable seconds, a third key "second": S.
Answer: {"hour": 4, "minute": 33, "second": 6}
